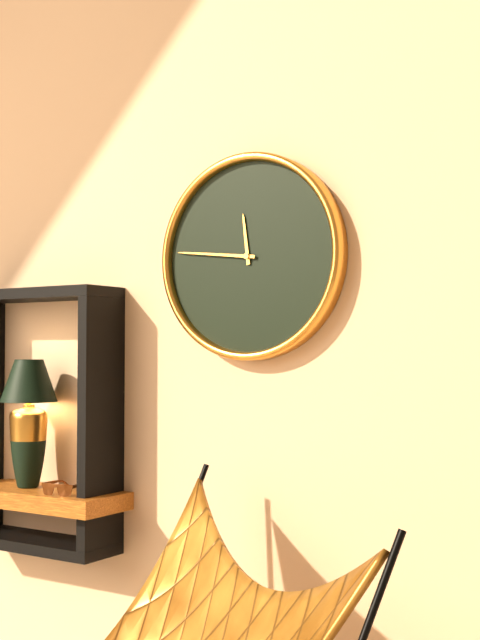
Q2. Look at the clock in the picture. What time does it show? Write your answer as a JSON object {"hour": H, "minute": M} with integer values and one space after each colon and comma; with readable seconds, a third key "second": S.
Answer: {"hour": 11, "minute": 46}
